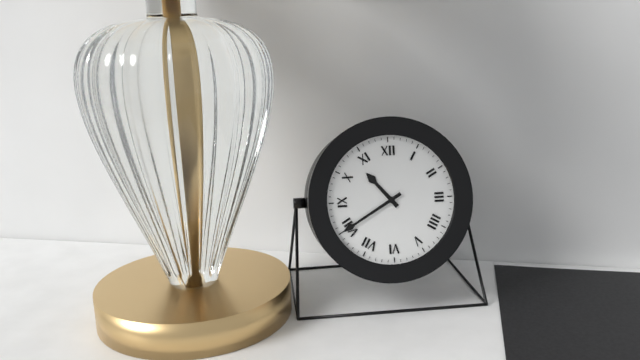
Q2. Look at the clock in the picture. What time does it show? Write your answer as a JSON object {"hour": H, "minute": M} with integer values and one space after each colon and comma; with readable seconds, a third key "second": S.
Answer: {"hour": 10, "minute": 40}
